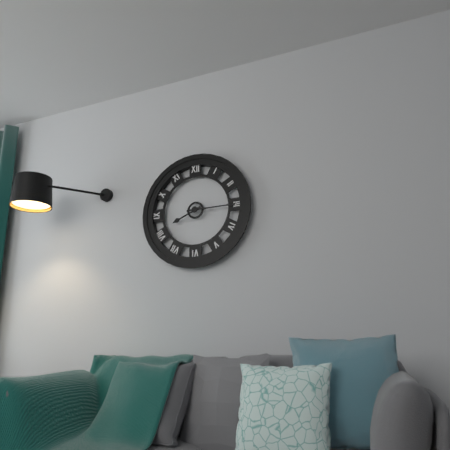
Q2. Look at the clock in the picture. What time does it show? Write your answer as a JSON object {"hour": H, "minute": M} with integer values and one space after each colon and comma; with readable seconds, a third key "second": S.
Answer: {"hour": 8, "minute": 15}
